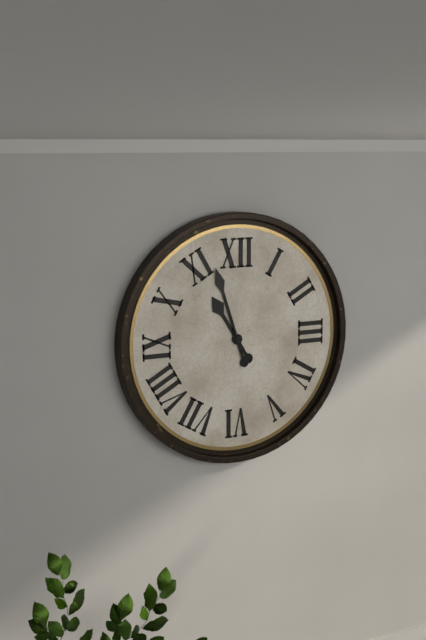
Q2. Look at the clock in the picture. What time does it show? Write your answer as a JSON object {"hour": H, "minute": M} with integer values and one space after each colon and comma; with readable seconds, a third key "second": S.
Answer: {"hour": 10, "minute": 57}
